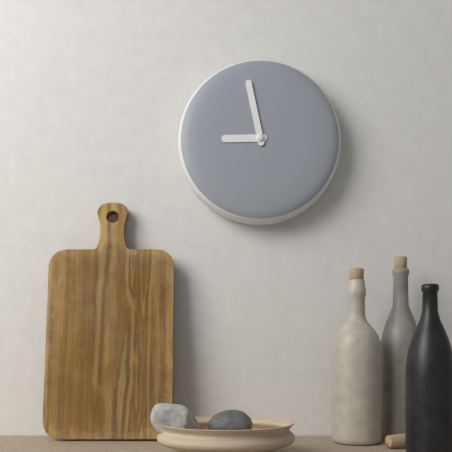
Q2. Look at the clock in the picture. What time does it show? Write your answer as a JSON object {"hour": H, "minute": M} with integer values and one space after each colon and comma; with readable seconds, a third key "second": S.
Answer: {"hour": 8, "minute": 58}
